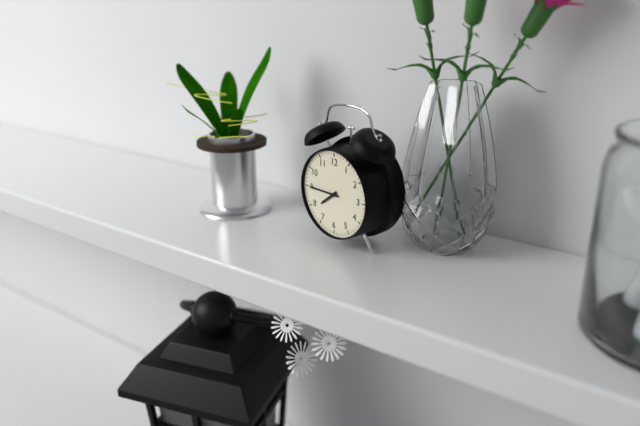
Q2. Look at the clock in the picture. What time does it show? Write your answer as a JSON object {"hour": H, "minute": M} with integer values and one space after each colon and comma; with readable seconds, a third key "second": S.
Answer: {"hour": 7, "minute": 45}
